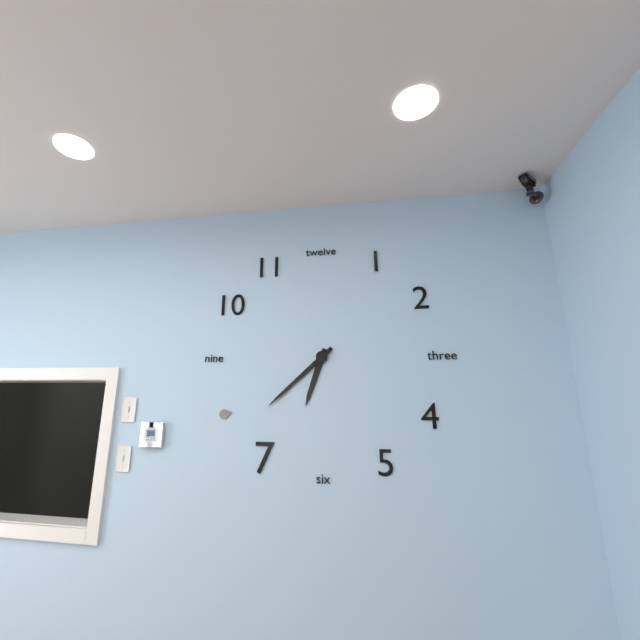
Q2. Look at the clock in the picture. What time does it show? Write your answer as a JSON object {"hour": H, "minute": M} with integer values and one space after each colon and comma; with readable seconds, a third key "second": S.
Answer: {"hour": 6, "minute": 38}
